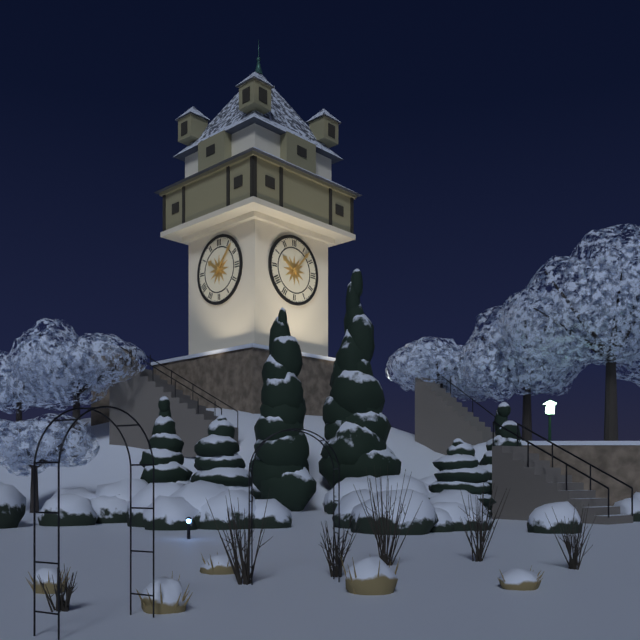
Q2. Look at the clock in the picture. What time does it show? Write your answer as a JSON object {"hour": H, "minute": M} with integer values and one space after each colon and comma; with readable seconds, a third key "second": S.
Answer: {"hour": 10, "minute": 7}
